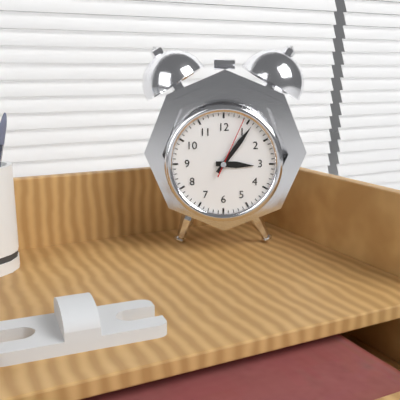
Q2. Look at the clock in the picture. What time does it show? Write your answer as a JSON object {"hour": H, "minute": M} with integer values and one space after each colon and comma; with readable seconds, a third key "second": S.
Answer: {"hour": 3, "minute": 6, "second": 4}
